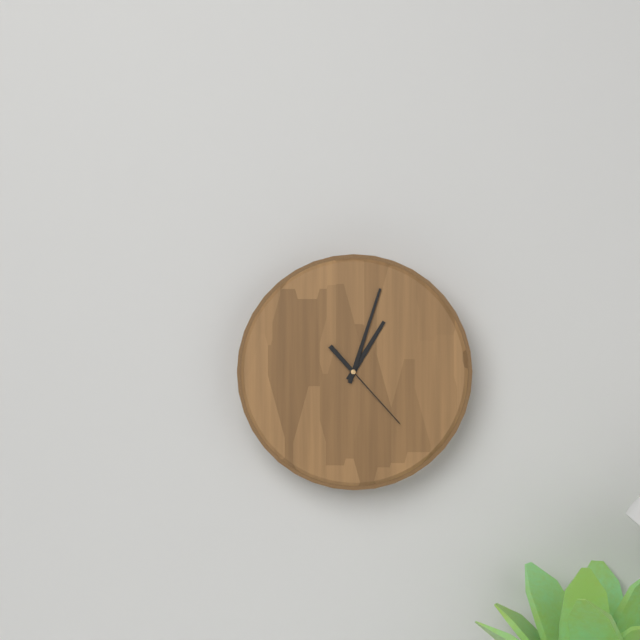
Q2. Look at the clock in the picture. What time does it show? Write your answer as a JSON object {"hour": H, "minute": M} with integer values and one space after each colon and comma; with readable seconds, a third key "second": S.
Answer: {"hour": 1, "minute": 3, "second": 23}
